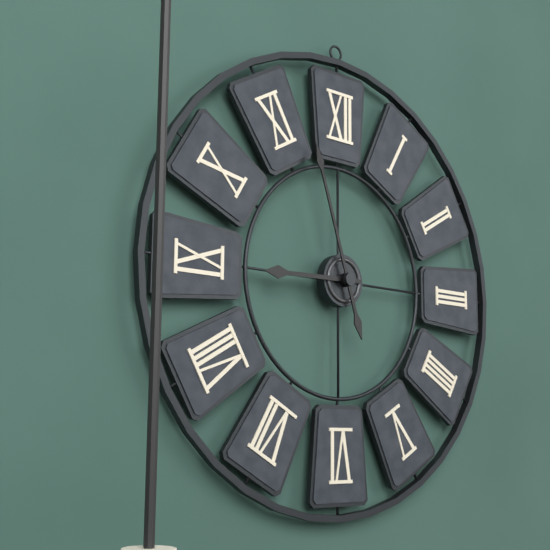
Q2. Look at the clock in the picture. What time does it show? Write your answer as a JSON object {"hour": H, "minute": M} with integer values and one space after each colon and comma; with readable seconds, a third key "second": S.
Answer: {"hour": 8, "minute": 57}
